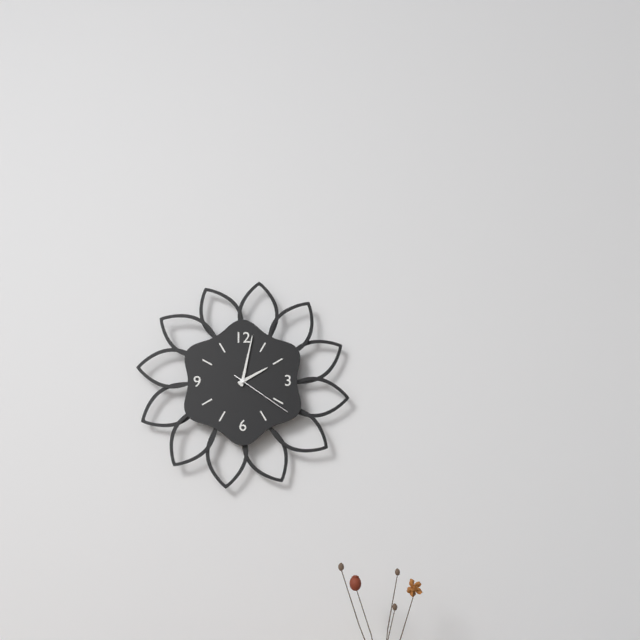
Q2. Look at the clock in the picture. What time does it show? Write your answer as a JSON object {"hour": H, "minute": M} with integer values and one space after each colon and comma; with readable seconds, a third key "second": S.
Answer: {"hour": 2, "minute": 2, "second": 21}
